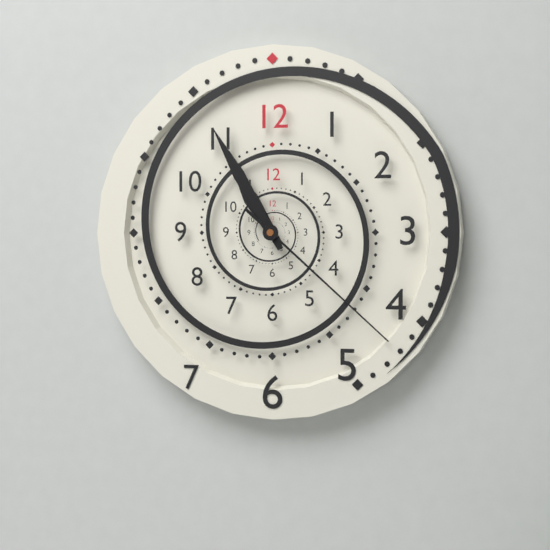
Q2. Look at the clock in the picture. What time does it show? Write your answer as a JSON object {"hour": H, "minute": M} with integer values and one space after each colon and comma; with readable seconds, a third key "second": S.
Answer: {"hour": 10, "minute": 55, "second": 22}
